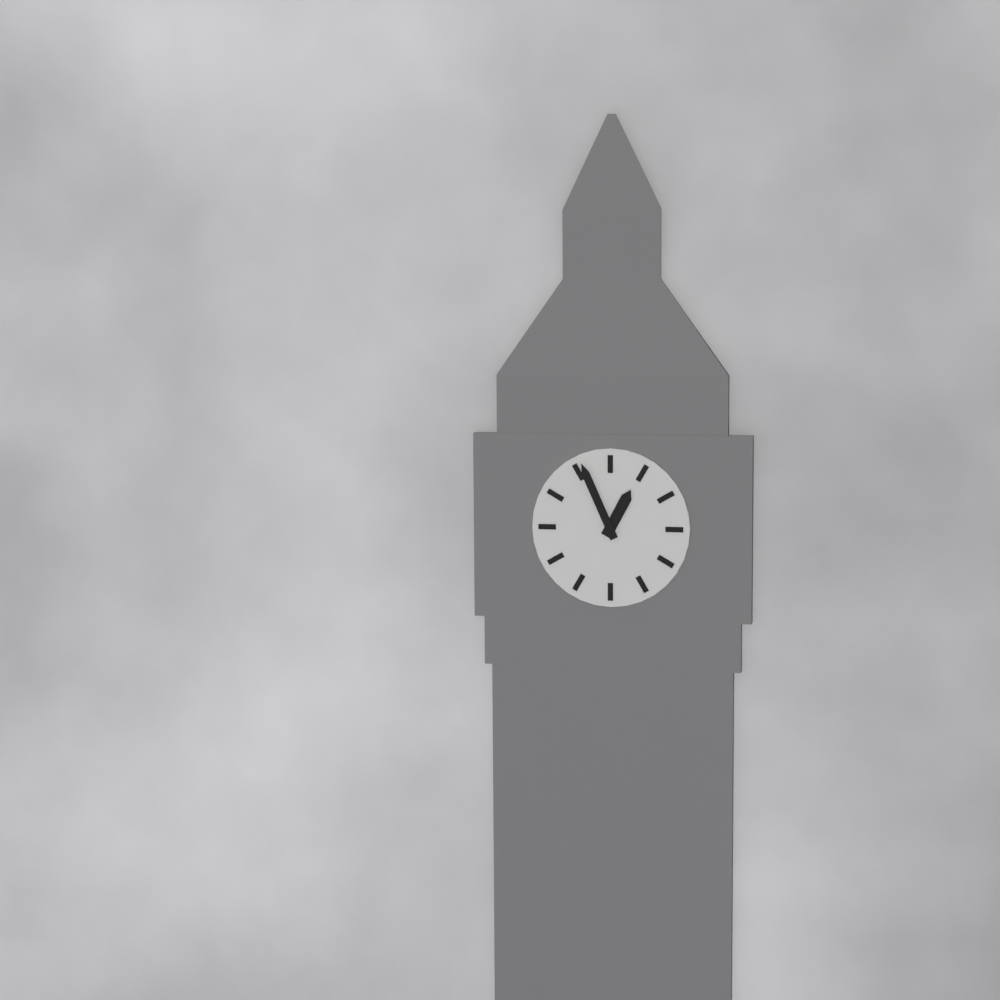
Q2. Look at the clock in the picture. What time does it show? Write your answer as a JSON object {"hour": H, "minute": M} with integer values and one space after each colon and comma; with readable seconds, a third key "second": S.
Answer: {"hour": 12, "minute": 56}
